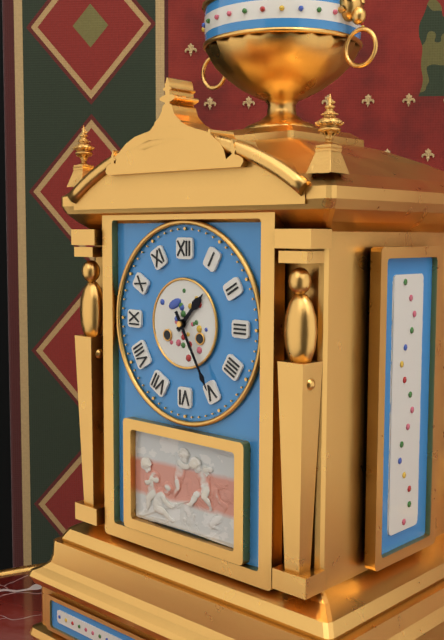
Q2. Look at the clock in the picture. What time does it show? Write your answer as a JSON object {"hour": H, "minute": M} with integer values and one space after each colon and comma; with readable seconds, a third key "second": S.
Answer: {"hour": 1, "minute": 25}
